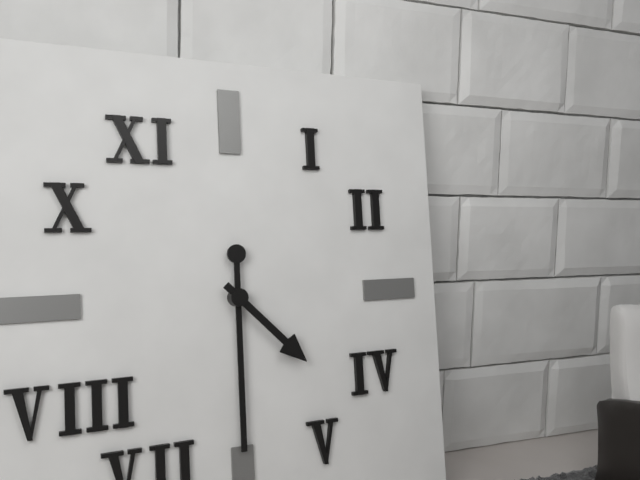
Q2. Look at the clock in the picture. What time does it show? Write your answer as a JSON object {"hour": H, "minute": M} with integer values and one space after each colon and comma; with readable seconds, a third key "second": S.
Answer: {"hour": 4, "minute": 30}
